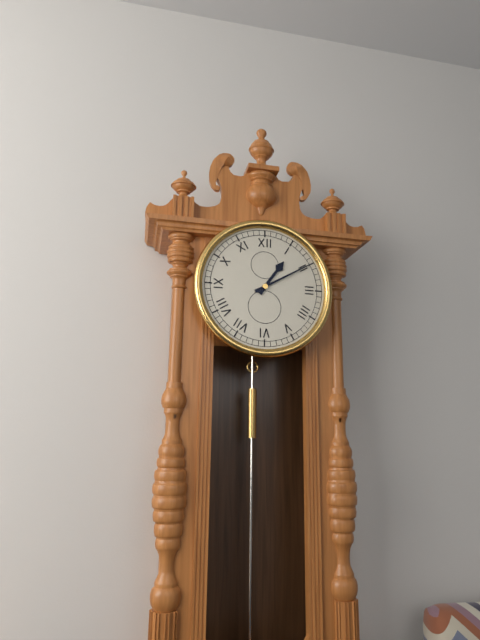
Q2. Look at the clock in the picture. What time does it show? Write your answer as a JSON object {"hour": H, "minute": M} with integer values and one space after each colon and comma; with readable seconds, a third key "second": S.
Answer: {"hour": 1, "minute": 10}
